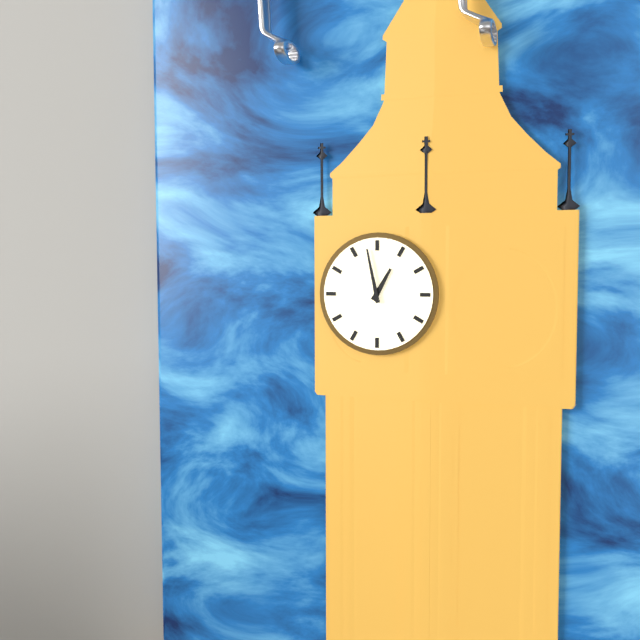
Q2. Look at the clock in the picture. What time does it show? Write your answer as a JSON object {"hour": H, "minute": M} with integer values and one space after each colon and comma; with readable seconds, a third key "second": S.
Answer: {"hour": 12, "minute": 58}
